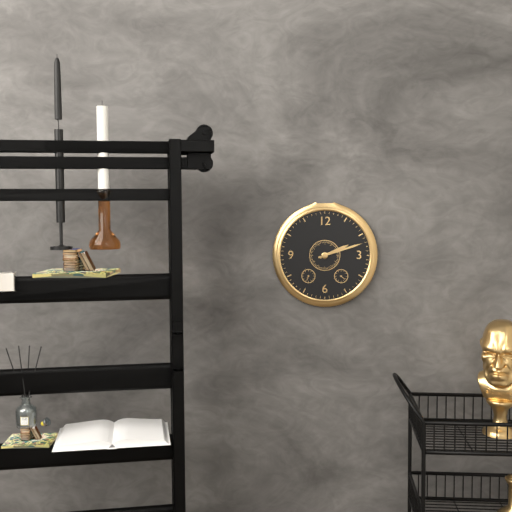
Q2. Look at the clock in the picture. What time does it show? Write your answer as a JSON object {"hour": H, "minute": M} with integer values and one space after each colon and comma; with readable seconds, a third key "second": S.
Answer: {"hour": 2, "minute": 12}
